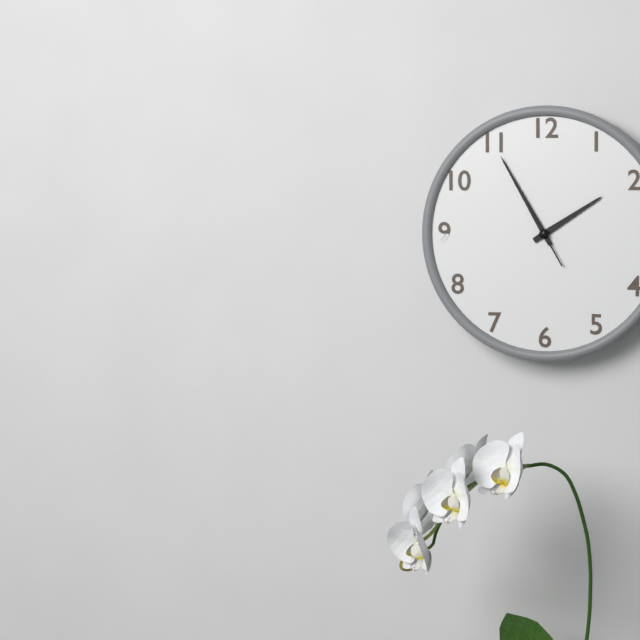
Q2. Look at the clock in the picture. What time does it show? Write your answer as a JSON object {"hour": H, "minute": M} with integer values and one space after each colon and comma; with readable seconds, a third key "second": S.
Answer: {"hour": 1, "minute": 55, "second": 55}
